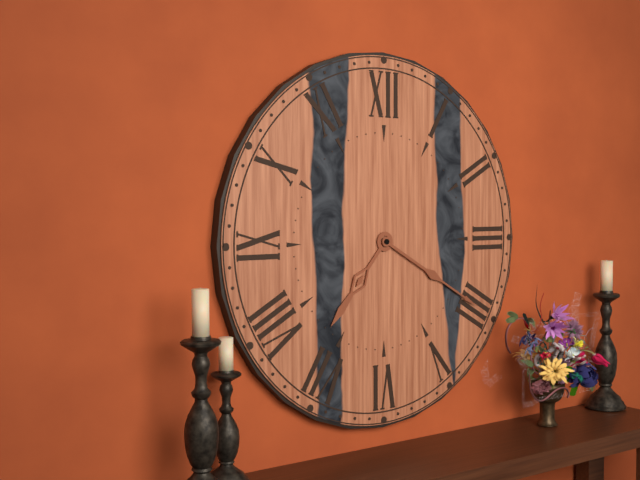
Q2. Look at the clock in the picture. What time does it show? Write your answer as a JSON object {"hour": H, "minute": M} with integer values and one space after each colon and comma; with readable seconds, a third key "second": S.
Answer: {"hour": 7, "minute": 20}
